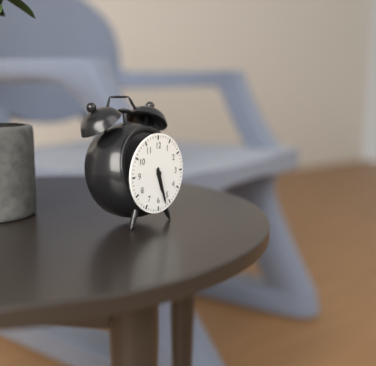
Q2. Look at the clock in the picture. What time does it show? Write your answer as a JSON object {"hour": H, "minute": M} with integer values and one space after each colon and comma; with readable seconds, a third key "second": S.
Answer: {"hour": 5, "minute": 27}
